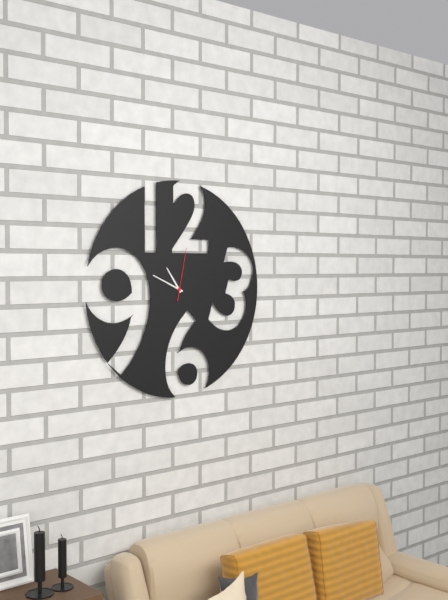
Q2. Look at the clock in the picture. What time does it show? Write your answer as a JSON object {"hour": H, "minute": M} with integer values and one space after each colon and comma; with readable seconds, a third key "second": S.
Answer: {"hour": 10, "minute": 49, "second": 2}
